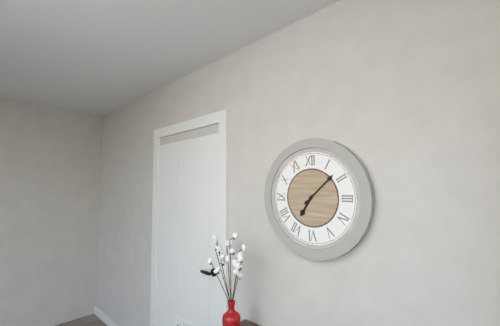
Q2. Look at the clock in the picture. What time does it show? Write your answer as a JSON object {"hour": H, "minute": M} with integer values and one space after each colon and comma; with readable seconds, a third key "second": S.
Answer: {"hour": 7, "minute": 8}
